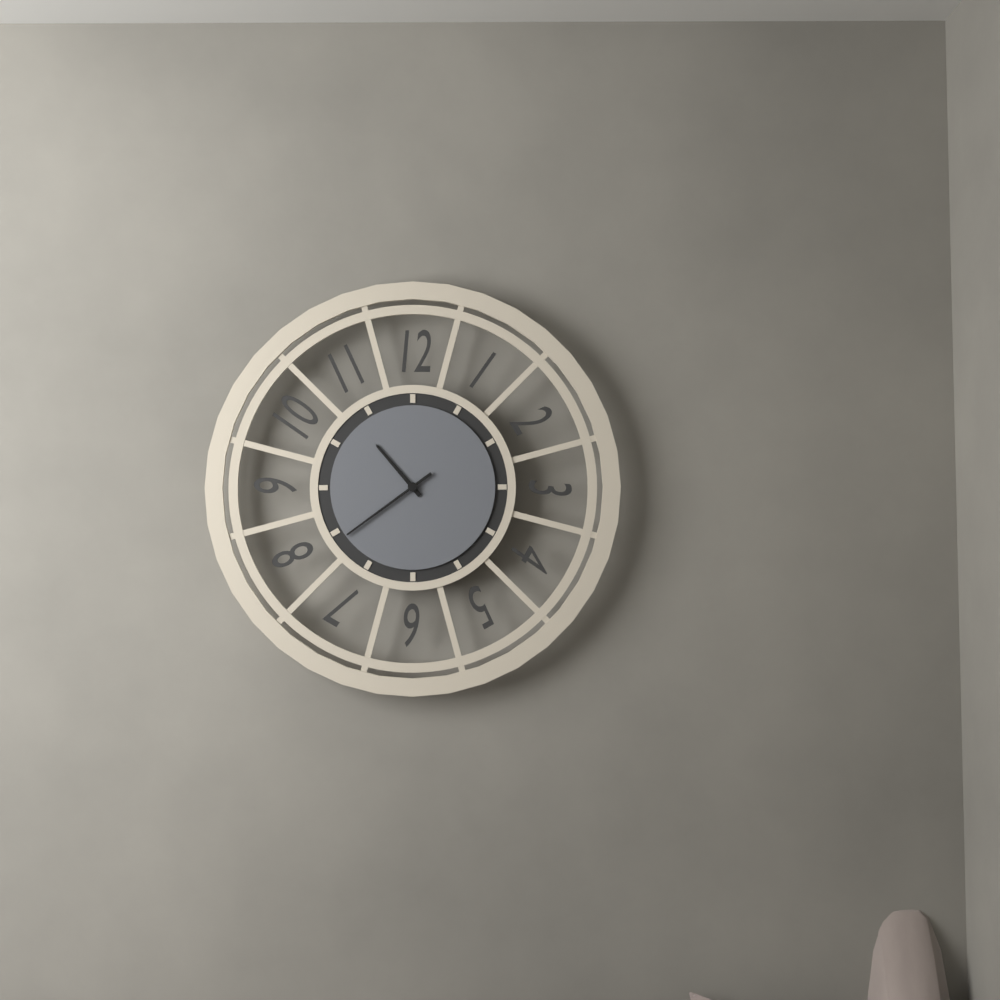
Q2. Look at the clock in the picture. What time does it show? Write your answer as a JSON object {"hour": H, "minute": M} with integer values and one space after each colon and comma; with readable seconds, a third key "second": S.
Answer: {"hour": 10, "minute": 39}
